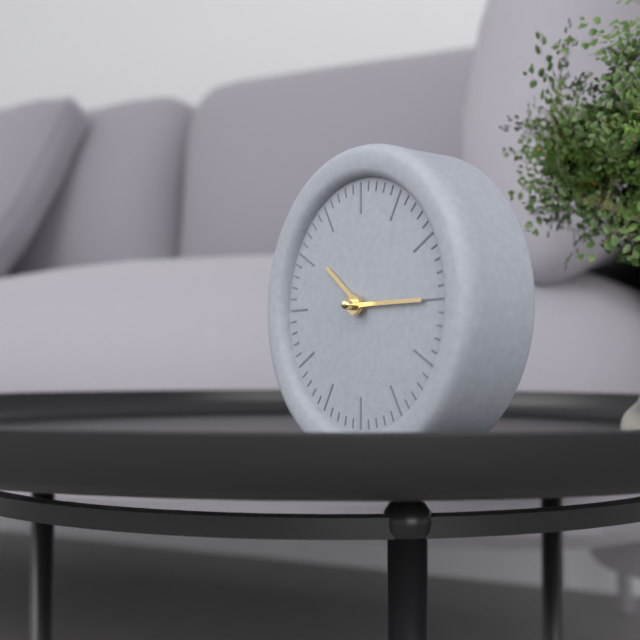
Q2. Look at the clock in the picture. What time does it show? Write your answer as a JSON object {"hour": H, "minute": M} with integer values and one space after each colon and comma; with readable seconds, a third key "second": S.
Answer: {"hour": 10, "minute": 15}
